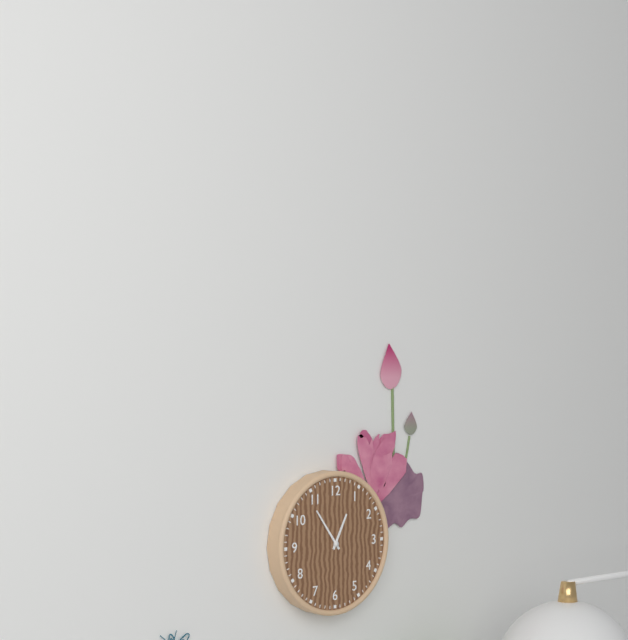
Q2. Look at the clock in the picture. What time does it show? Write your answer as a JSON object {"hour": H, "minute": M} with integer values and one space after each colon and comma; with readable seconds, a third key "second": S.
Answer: {"hour": 12, "minute": 54}
